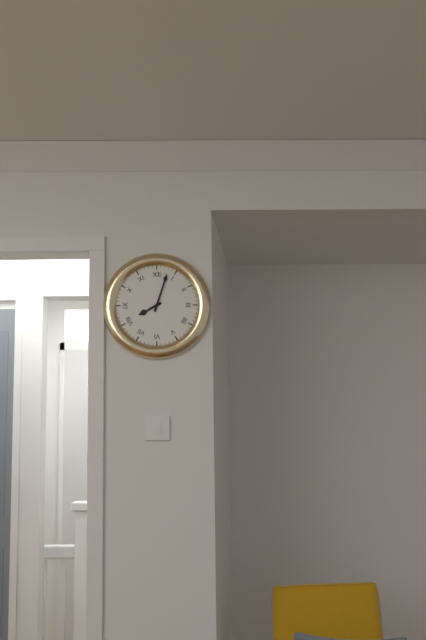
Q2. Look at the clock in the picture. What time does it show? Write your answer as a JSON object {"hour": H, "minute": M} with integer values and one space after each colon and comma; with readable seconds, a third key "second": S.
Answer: {"hour": 8, "minute": 3}
